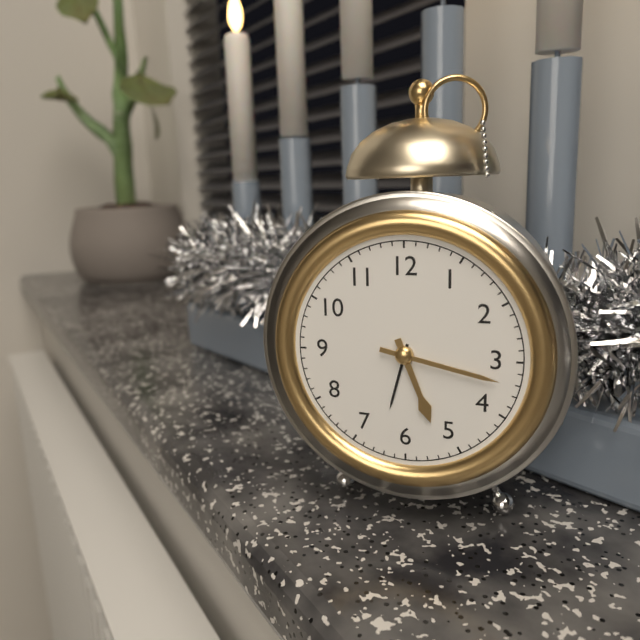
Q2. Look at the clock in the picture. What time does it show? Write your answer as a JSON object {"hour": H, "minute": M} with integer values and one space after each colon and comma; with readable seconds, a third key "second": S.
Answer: {"hour": 5, "minute": 17}
